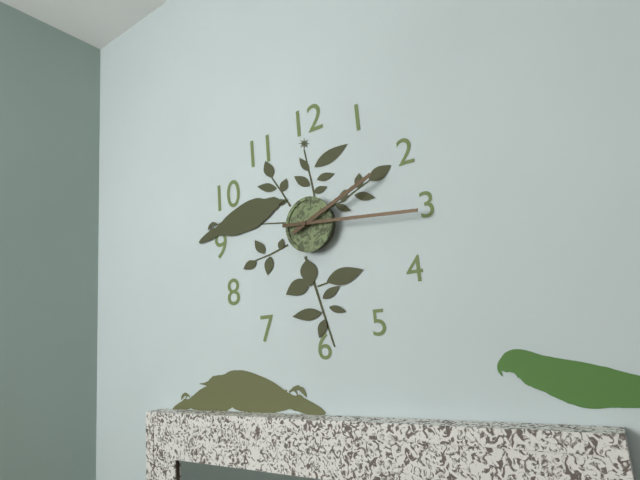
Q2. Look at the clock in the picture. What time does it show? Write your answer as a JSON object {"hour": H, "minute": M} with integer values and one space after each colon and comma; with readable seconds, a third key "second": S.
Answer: {"hour": 2, "minute": 16}
